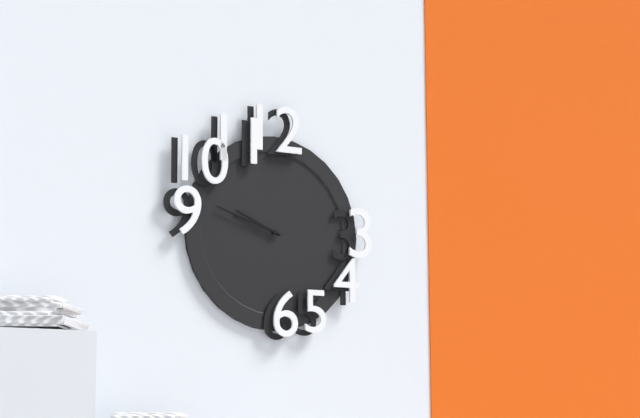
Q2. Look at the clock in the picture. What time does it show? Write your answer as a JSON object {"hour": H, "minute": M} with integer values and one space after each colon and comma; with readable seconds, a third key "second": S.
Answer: {"hour": 9, "minute": 48}
